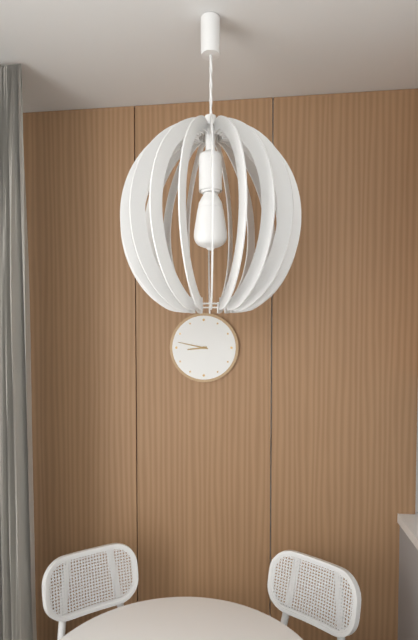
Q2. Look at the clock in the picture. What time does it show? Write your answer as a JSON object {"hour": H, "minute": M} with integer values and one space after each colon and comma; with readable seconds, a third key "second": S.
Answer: {"hour": 8, "minute": 47}
